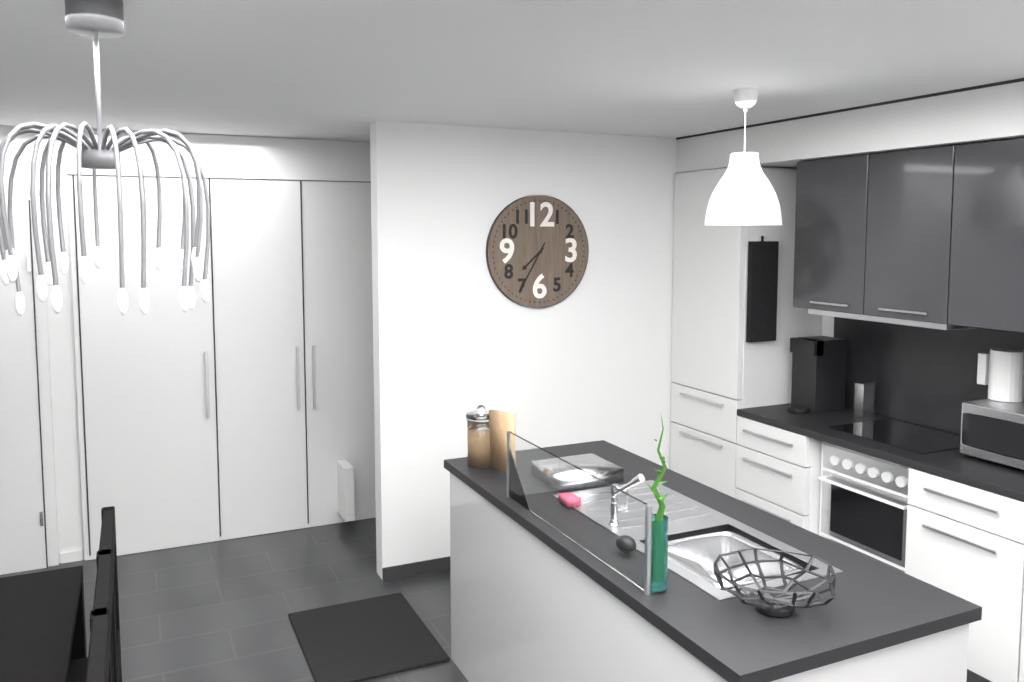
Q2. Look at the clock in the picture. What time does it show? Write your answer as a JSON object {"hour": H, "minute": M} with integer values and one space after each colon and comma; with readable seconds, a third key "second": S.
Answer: {"hour": 7, "minute": 35}
